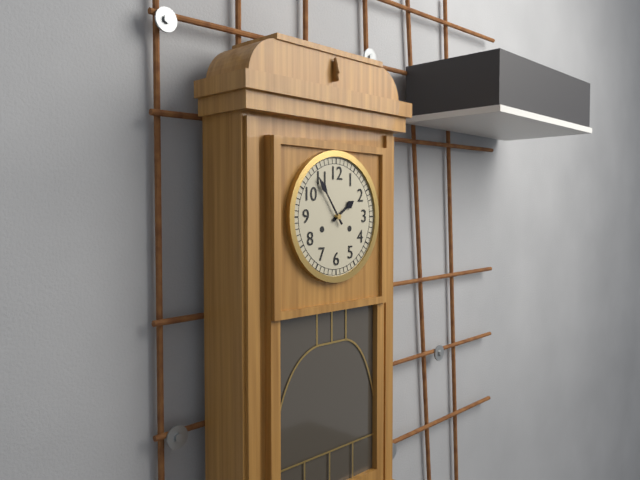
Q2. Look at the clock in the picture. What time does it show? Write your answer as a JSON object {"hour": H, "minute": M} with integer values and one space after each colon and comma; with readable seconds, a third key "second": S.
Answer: {"hour": 1, "minute": 54}
